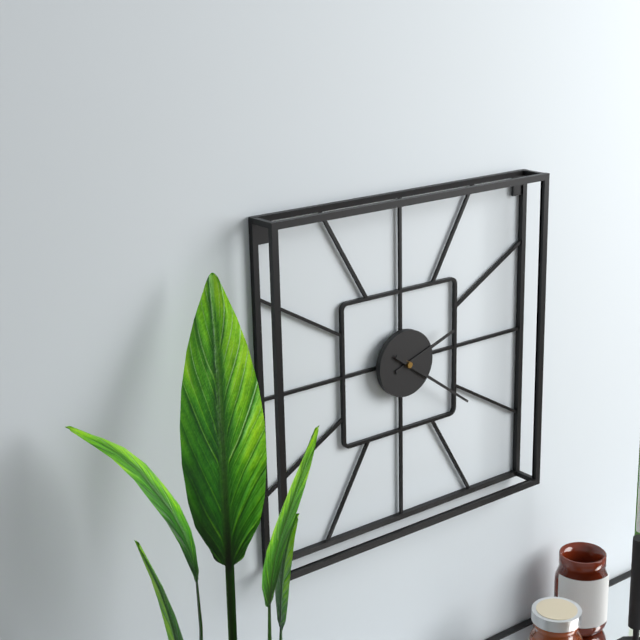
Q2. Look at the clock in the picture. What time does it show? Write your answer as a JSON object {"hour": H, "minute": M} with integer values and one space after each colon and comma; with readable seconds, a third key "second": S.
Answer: {"hour": 2, "minute": 21}
